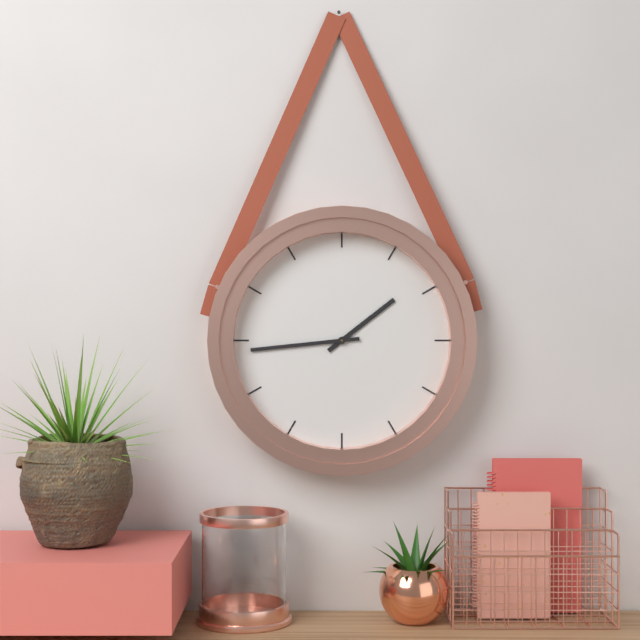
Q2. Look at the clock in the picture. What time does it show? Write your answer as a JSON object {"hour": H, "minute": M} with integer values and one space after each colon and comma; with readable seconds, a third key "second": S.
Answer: {"hour": 1, "minute": 44}
